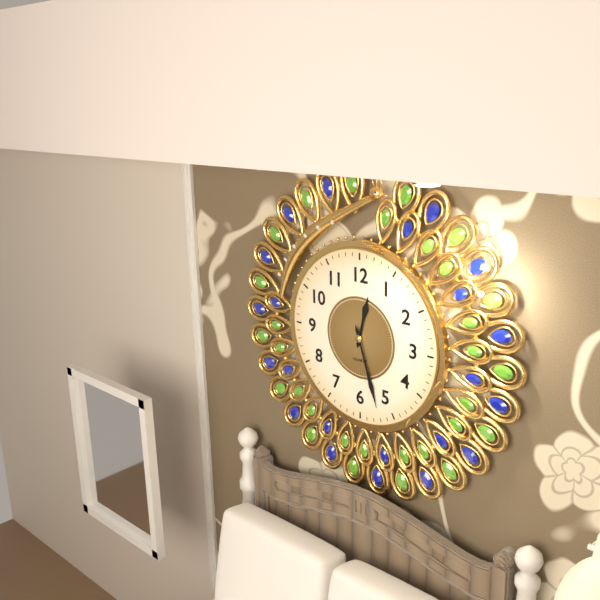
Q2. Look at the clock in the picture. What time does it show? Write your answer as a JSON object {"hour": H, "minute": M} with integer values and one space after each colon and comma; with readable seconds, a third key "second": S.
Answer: {"hour": 12, "minute": 27}
